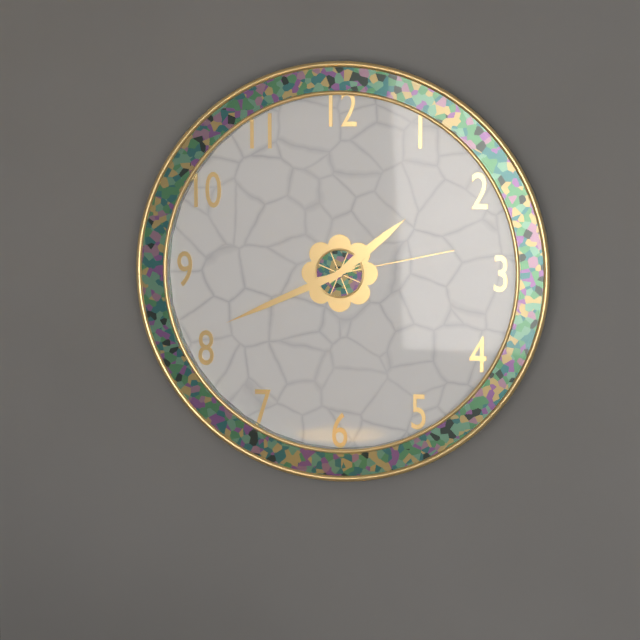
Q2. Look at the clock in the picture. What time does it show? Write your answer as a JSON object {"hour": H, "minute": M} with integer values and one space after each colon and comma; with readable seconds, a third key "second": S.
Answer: {"hour": 1, "minute": 41, "second": 13}
